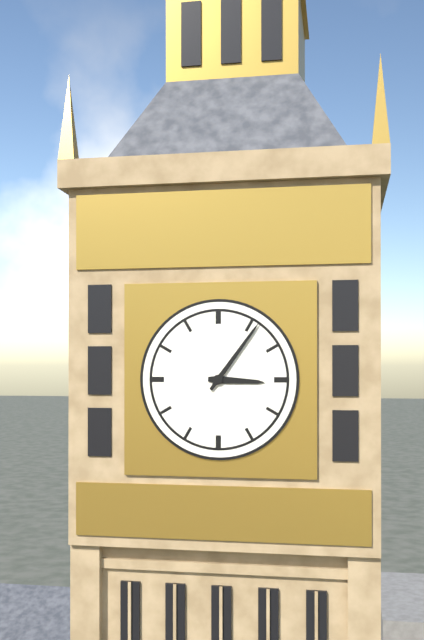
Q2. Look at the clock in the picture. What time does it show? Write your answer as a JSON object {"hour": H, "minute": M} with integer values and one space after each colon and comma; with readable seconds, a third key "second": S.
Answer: {"hour": 3, "minute": 6}
